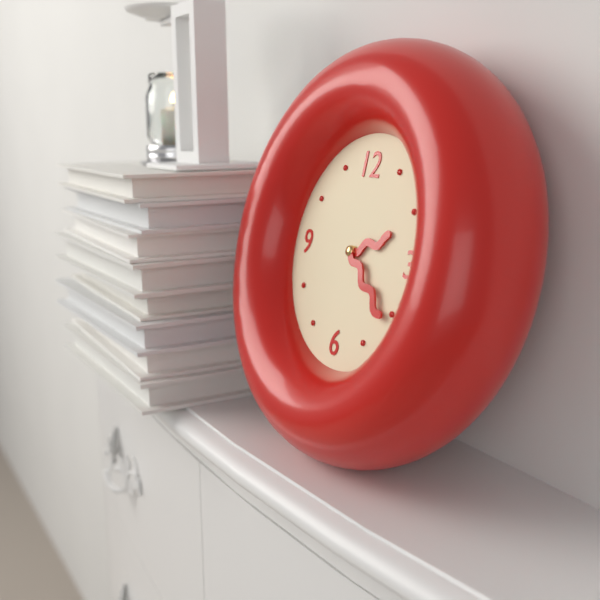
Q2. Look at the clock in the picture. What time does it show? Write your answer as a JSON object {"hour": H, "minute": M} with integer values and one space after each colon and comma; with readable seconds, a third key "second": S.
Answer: {"hour": 2, "minute": 21}
